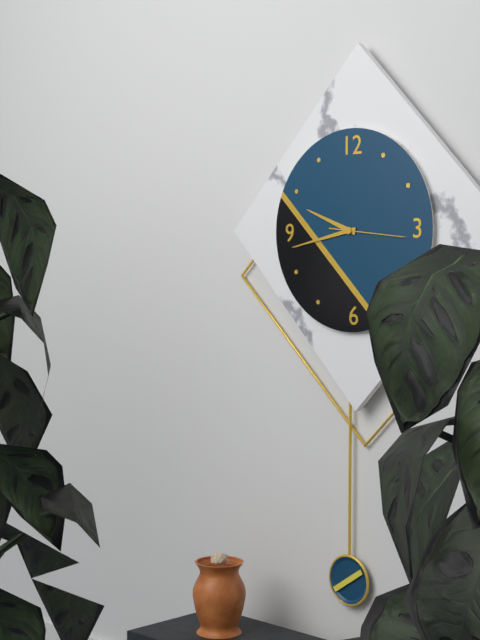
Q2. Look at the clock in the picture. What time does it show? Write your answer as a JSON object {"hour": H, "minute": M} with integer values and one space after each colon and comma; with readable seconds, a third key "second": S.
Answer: {"hour": 9, "minute": 43, "second": 16}
